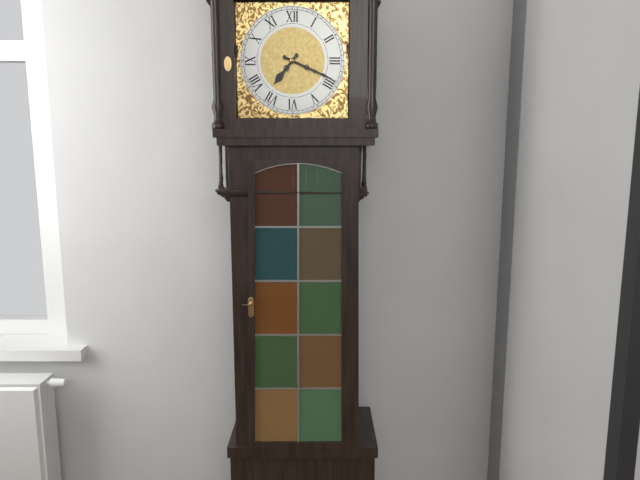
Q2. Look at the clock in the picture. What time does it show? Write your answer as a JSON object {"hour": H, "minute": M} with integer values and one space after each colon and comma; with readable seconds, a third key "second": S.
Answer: {"hour": 7, "minute": 19}
